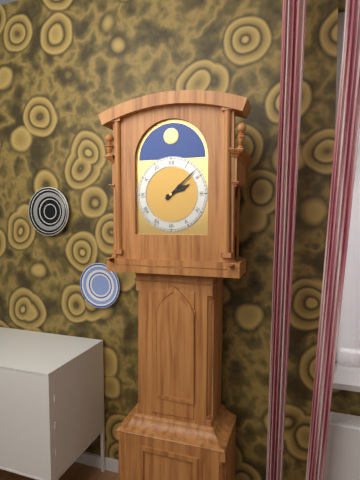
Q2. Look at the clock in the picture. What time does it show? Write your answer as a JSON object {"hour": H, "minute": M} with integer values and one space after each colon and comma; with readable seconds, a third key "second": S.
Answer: {"hour": 2, "minute": 8}
